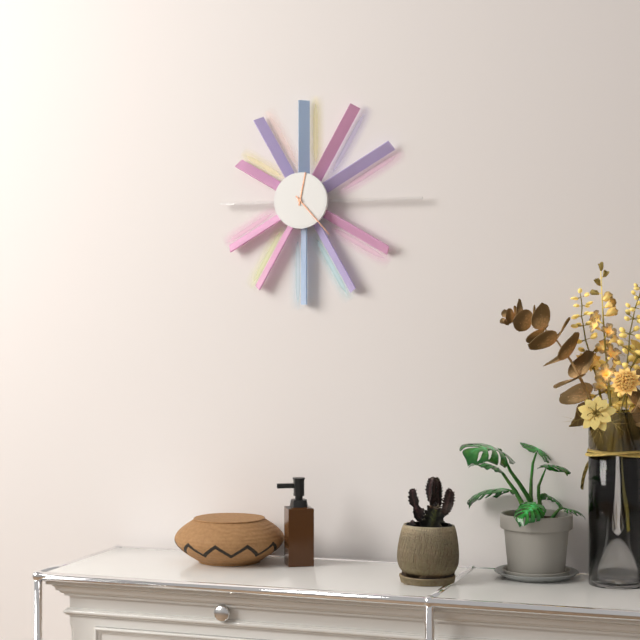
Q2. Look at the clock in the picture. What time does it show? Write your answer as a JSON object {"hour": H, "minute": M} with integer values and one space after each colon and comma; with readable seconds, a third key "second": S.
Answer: {"hour": 12, "minute": 23}
